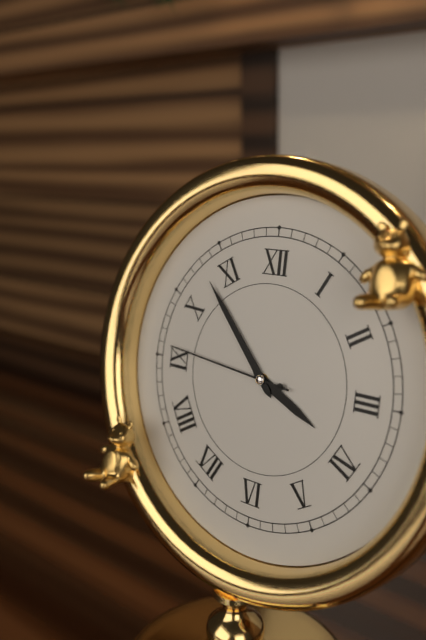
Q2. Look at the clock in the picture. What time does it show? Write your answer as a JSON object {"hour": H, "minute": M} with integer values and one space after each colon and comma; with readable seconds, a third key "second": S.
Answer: {"hour": 3, "minute": 53, "second": 46}
